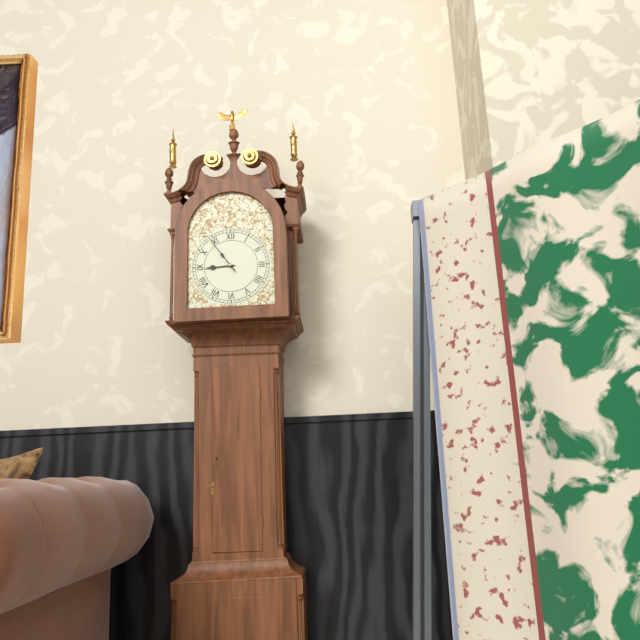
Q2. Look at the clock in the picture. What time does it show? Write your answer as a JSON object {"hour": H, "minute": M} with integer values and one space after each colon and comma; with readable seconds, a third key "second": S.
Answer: {"hour": 8, "minute": 54}
